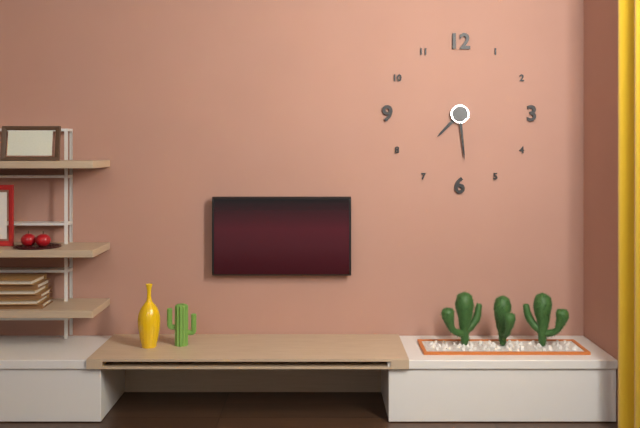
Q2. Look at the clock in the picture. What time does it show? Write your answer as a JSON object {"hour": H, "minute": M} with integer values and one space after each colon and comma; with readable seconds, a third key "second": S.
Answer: {"hour": 7, "minute": 29}
